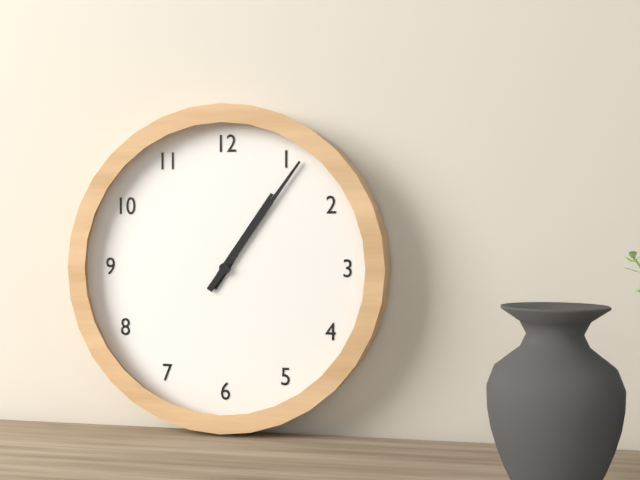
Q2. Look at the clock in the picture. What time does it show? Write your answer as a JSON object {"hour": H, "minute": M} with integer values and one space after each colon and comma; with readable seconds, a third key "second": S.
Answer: {"hour": 1, "minute": 6}
